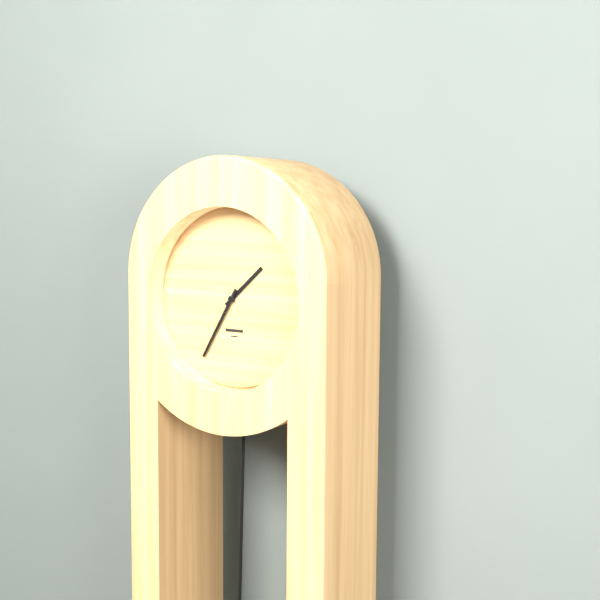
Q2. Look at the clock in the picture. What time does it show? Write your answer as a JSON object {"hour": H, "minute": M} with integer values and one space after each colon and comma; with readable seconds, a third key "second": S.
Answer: {"hour": 1, "minute": 35}
